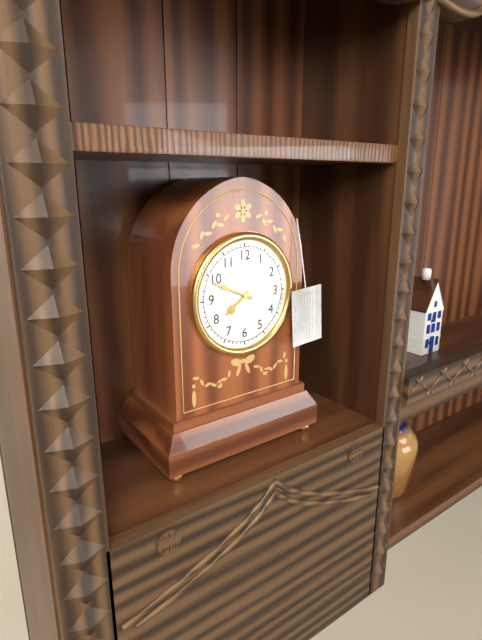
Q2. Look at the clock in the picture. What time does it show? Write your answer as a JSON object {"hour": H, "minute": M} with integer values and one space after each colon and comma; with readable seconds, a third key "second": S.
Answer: {"hour": 7, "minute": 49}
